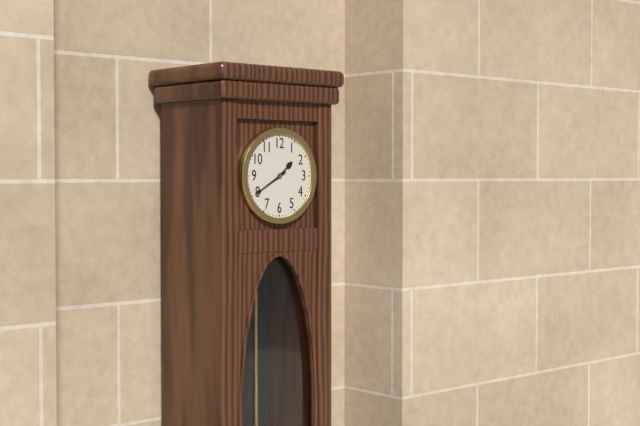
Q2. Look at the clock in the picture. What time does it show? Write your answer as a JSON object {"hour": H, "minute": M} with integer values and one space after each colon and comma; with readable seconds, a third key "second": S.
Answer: {"hour": 1, "minute": 40}
